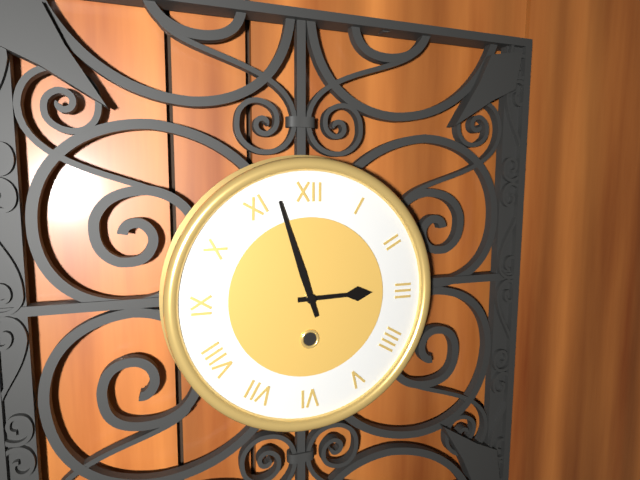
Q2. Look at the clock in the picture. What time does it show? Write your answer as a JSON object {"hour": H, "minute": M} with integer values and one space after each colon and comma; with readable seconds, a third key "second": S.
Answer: {"hour": 2, "minute": 57}
